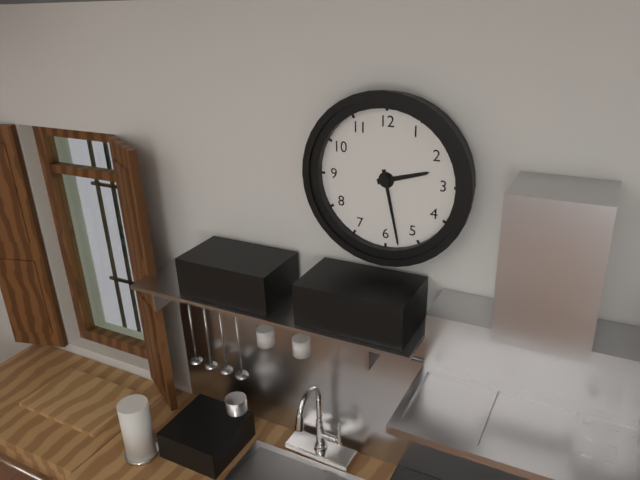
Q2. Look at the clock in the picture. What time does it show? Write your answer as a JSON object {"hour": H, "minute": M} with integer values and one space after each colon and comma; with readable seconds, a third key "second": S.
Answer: {"hour": 2, "minute": 28}
